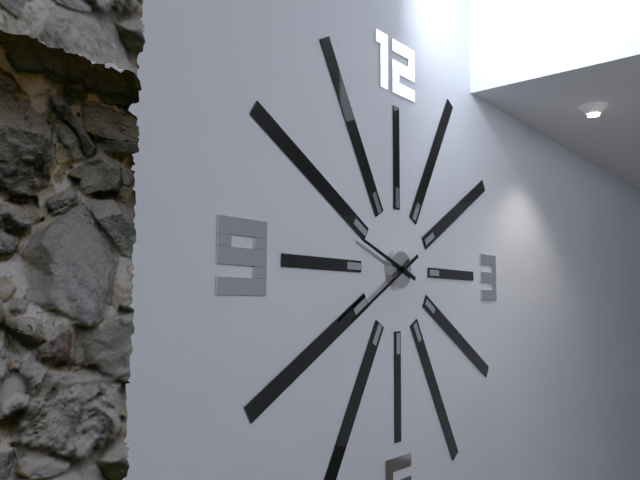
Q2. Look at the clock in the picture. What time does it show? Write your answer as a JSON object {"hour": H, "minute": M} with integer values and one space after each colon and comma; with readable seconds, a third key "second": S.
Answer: {"hour": 9, "minute": 40}
